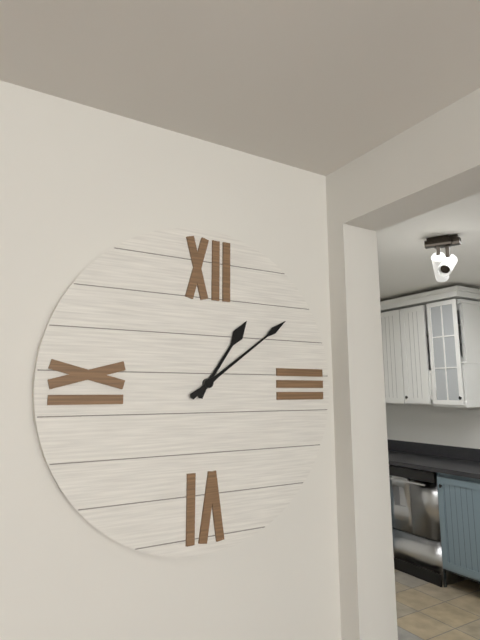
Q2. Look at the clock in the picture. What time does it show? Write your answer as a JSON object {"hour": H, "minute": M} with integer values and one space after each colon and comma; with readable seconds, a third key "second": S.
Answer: {"hour": 1, "minute": 9}
